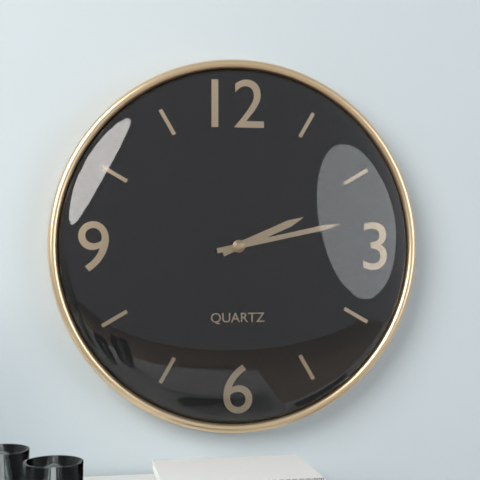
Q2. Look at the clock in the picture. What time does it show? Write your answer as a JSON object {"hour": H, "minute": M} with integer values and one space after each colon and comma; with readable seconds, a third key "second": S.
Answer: {"hour": 2, "minute": 13}
